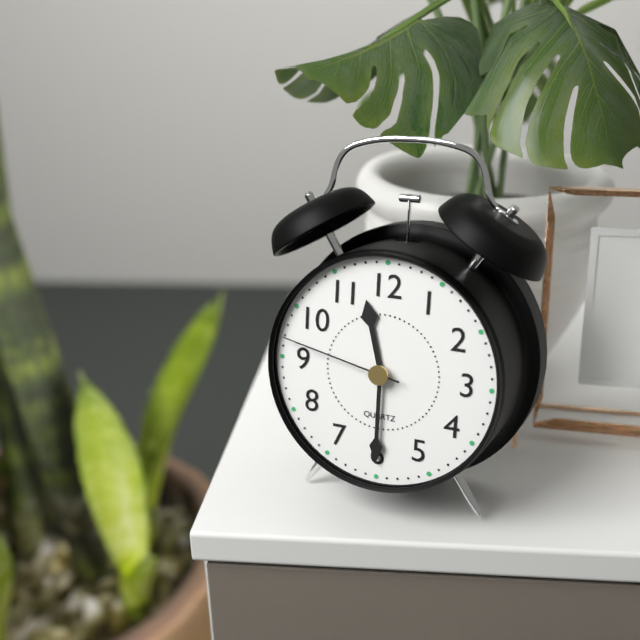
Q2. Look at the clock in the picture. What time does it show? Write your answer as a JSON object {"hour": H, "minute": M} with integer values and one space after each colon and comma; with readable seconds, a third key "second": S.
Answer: {"hour": 11, "minute": 30, "second": 47}
